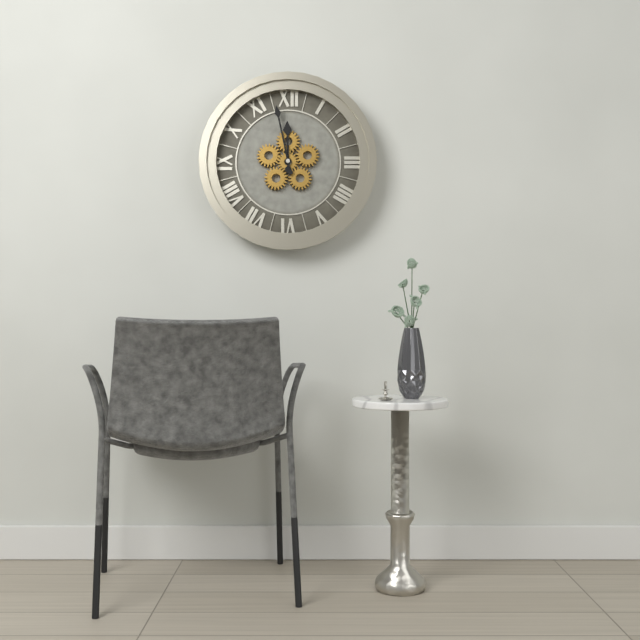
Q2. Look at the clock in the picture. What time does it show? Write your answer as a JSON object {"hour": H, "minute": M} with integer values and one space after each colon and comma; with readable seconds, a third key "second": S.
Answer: {"hour": 11, "minute": 58}
